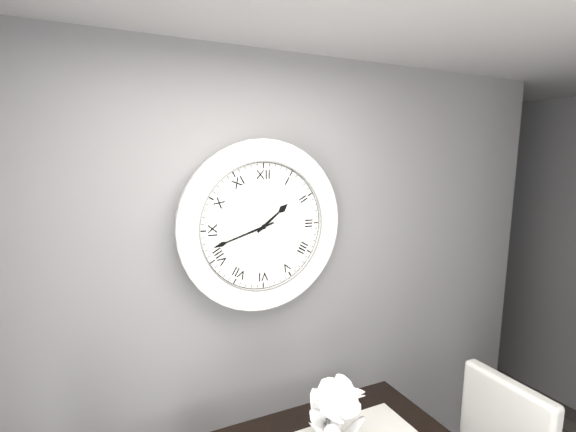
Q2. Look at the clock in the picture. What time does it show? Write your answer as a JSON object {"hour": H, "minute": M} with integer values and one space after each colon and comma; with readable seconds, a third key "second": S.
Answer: {"hour": 1, "minute": 42}
